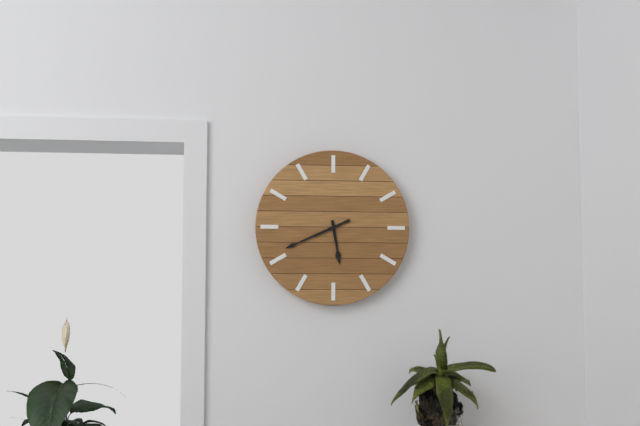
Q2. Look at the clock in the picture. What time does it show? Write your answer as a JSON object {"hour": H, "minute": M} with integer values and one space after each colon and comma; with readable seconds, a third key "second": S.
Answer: {"hour": 5, "minute": 41}
